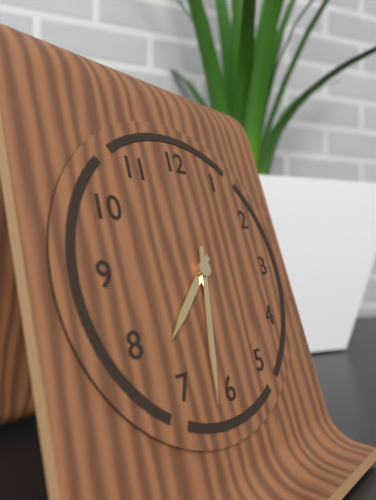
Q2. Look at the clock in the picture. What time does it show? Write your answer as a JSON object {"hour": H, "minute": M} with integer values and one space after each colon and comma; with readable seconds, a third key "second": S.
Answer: {"hour": 7, "minute": 32}
